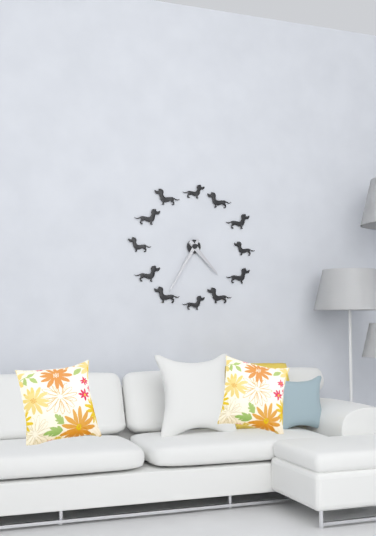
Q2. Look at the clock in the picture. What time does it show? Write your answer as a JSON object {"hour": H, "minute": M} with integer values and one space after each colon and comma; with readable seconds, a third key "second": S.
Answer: {"hour": 4, "minute": 35}
